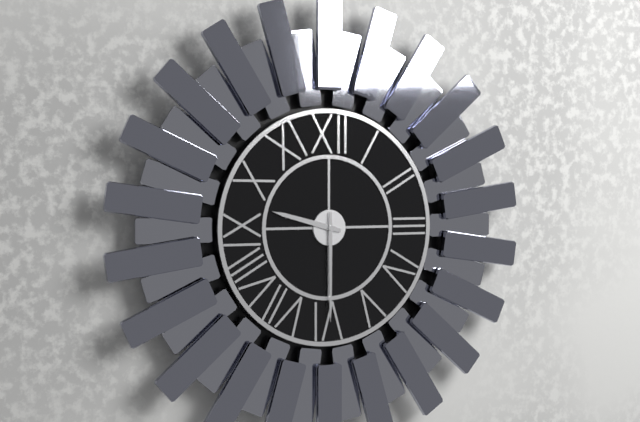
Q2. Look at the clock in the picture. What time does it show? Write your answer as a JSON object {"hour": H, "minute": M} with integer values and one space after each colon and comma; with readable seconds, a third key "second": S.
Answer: {"hour": 9, "minute": 30}
